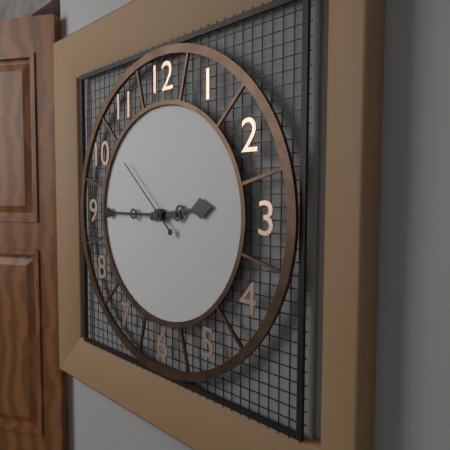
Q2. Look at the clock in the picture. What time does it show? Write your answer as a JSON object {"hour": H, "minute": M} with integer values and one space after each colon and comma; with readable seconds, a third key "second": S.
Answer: {"hour": 2, "minute": 45, "second": 52}
